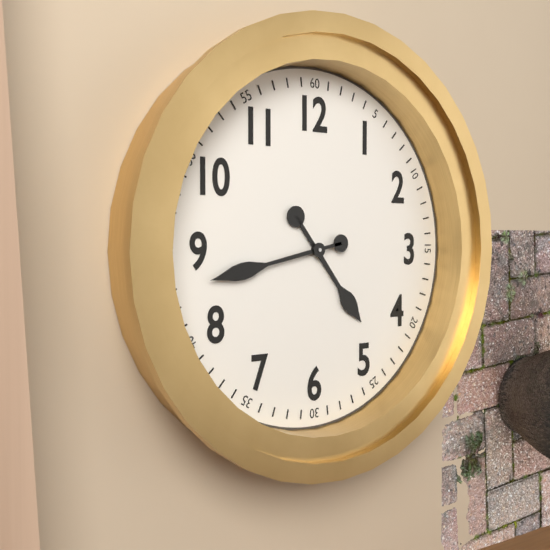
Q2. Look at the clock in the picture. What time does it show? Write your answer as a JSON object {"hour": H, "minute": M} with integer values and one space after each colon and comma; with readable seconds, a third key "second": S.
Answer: {"hour": 4, "minute": 43}
